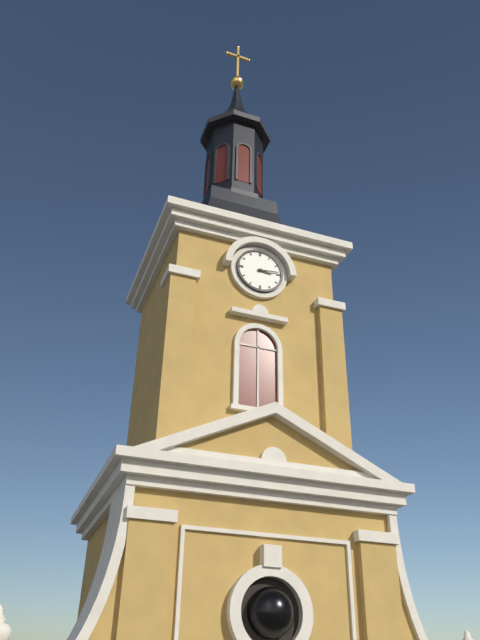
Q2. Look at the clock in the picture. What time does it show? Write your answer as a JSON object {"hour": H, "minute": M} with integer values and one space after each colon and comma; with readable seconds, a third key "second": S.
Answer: {"hour": 3, "minute": 14}
